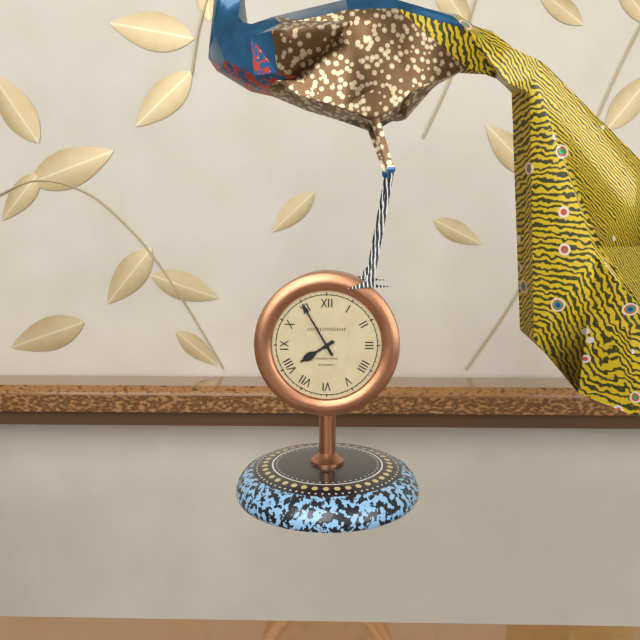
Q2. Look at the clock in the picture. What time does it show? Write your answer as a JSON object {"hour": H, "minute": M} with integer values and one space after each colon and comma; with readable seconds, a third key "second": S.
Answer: {"hour": 7, "minute": 55}
